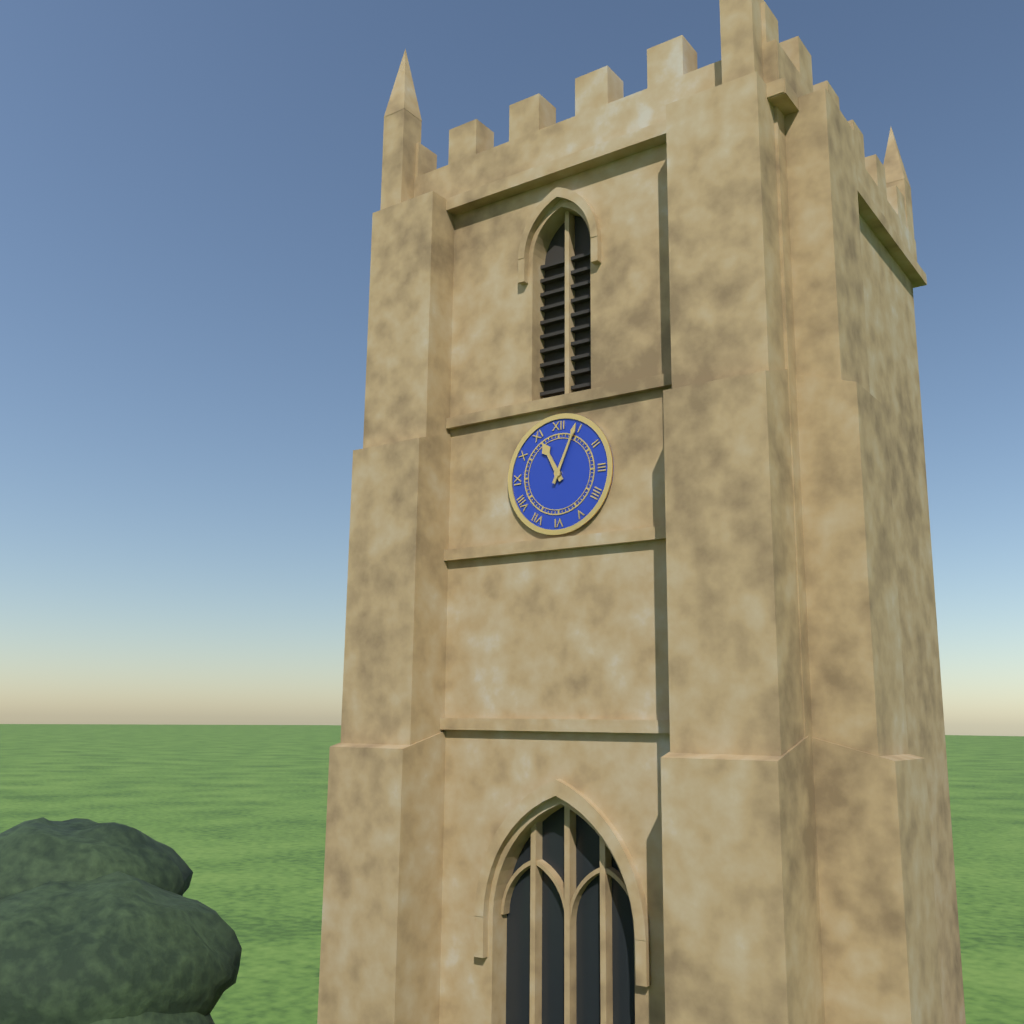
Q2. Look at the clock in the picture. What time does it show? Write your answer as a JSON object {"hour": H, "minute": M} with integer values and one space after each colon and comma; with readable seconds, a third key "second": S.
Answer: {"hour": 11, "minute": 4}
